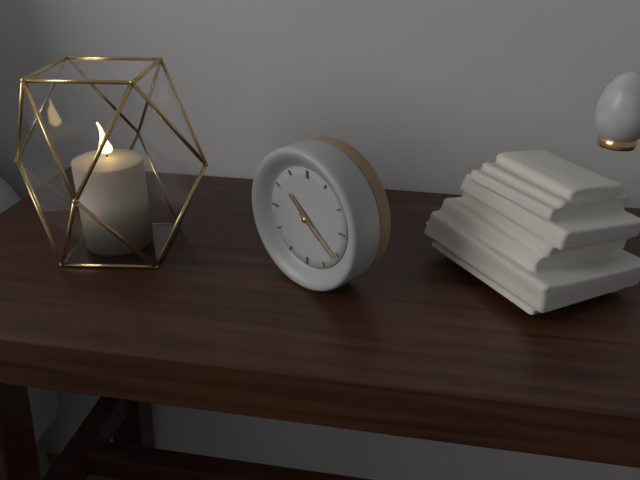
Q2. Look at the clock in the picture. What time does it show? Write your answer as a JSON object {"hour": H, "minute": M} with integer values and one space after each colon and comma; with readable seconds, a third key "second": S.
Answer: {"hour": 10, "minute": 21}
